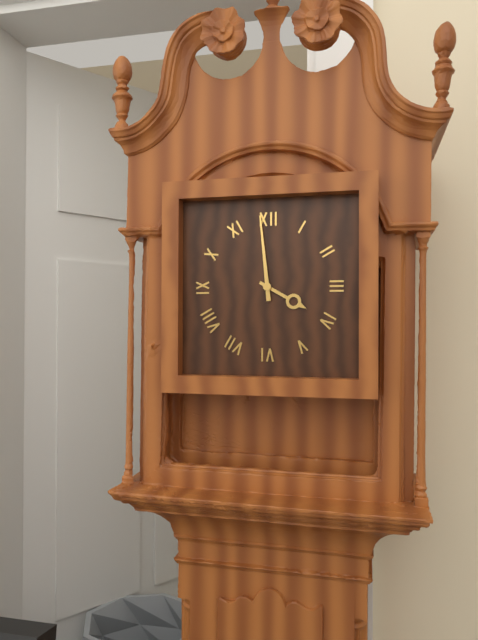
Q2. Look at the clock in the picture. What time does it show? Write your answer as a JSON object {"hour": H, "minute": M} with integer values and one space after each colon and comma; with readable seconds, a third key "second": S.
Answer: {"hour": 3, "minute": 59}
